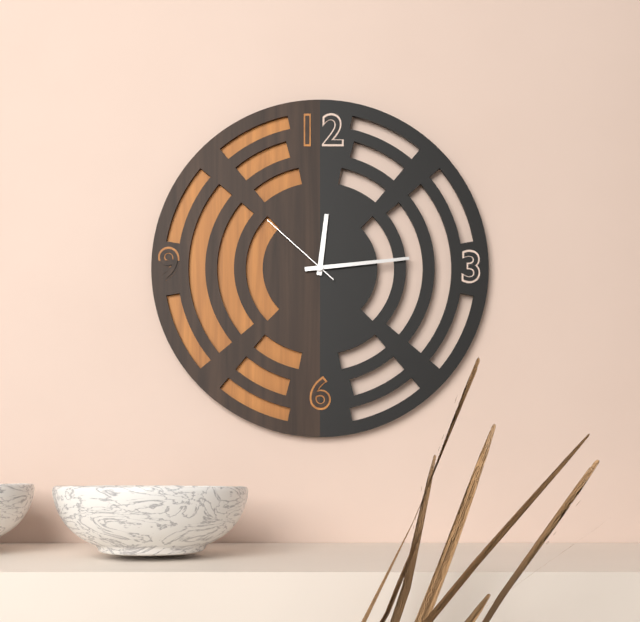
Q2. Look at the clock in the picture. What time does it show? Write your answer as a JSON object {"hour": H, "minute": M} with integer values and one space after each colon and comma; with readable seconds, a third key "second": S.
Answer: {"hour": 12, "minute": 14, "second": 52}
